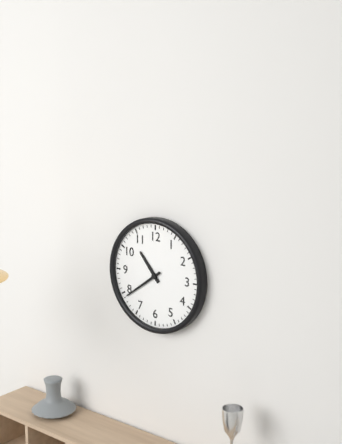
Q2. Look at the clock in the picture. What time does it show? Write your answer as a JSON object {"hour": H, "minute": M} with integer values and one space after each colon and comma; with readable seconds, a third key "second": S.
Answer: {"hour": 10, "minute": 39}
